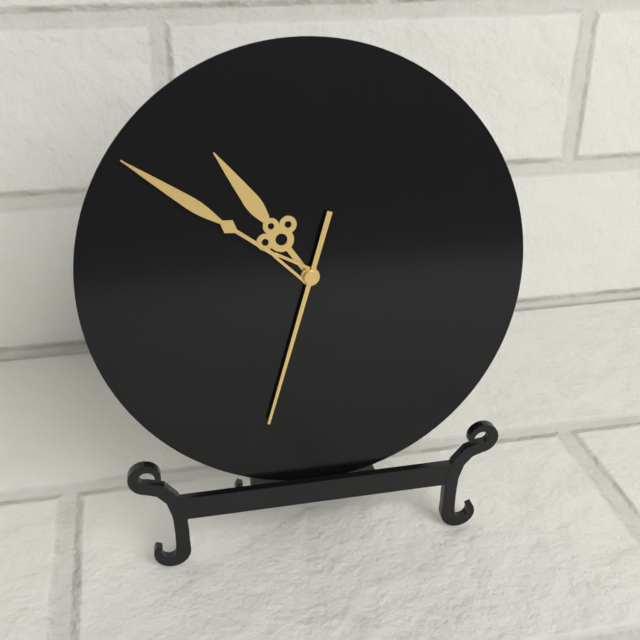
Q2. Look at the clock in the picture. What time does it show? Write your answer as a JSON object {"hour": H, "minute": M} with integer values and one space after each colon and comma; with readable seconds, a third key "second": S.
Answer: {"hour": 10, "minute": 51, "second": 33}
